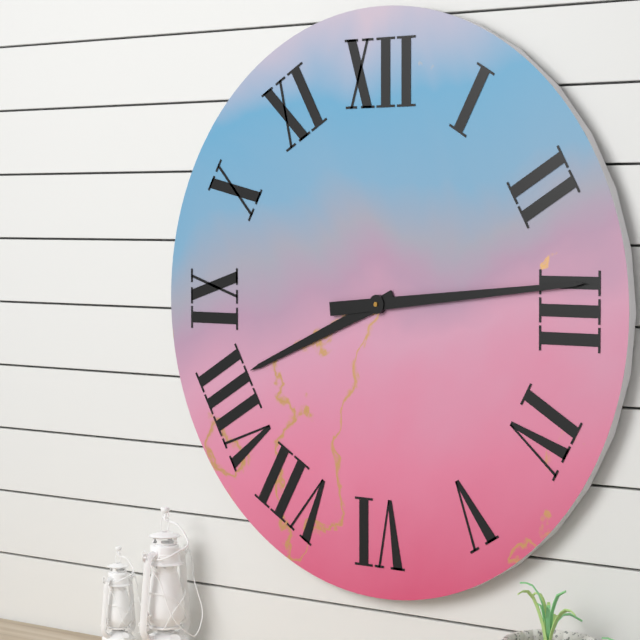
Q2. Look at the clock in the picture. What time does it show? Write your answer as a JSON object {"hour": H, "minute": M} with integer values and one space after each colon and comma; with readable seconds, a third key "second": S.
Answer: {"hour": 8, "minute": 14}
